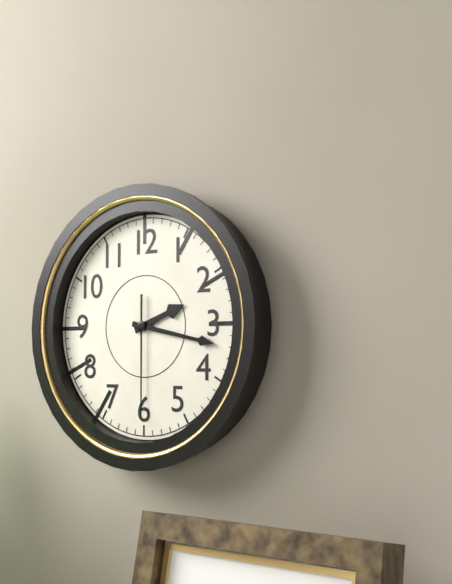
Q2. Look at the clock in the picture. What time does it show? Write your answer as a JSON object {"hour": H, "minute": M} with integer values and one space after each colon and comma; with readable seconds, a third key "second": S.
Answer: {"hour": 2, "minute": 17, "second": 30}
